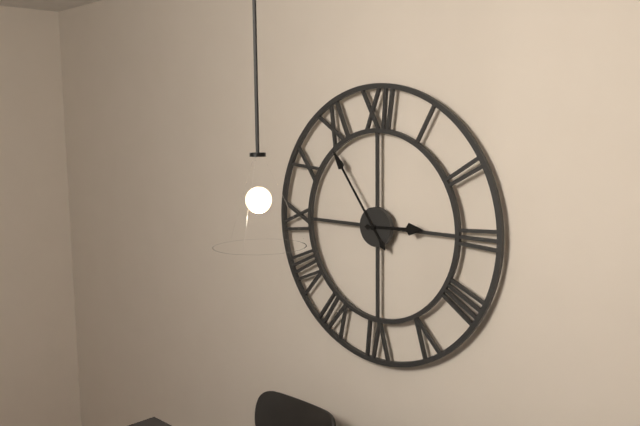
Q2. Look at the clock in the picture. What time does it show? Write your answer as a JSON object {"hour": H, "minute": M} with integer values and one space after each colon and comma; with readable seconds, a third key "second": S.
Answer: {"hour": 2, "minute": 54}
